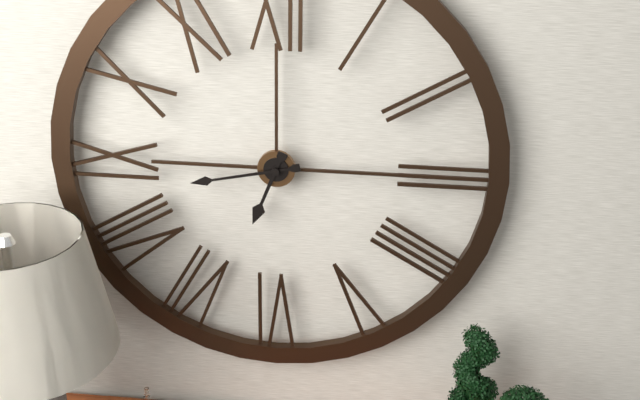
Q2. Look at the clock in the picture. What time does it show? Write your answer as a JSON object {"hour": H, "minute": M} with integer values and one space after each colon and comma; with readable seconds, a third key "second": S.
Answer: {"hour": 6, "minute": 43}
